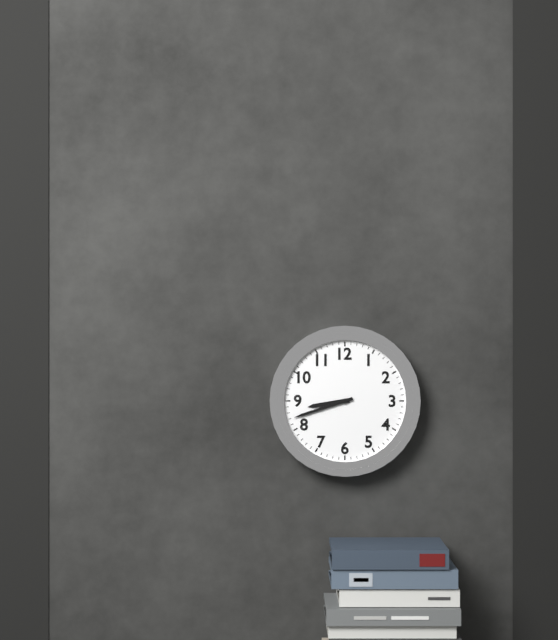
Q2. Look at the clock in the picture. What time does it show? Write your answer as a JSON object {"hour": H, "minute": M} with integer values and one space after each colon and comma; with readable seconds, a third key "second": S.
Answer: {"hour": 8, "minute": 42}
